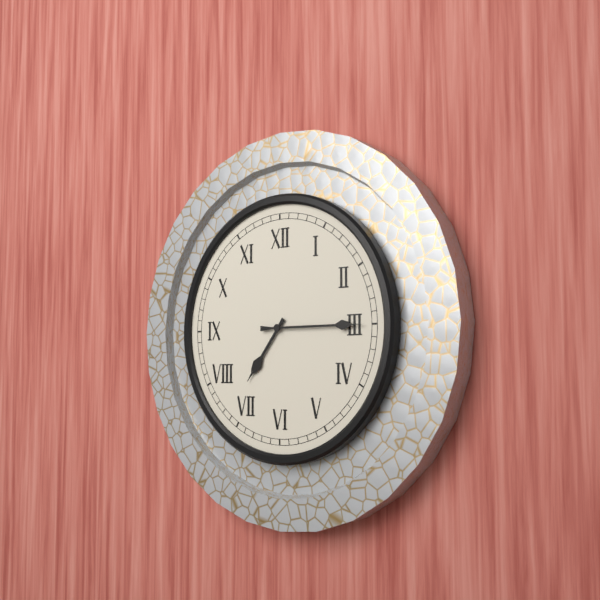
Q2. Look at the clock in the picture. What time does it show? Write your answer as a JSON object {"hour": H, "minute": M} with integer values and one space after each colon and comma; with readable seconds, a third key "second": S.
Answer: {"hour": 7, "minute": 15}
